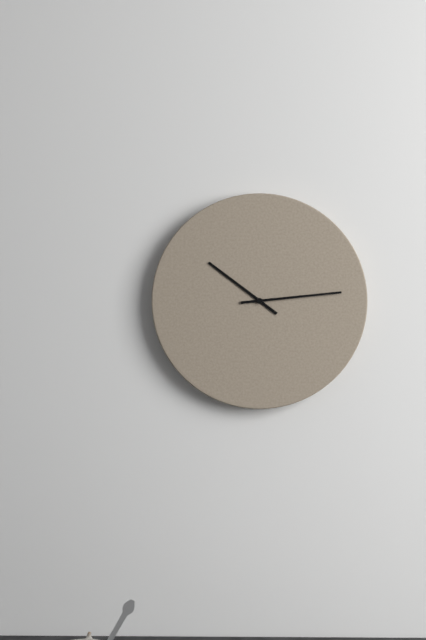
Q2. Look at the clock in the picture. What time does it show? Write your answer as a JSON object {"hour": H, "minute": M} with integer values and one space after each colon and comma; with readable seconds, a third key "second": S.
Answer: {"hour": 10, "minute": 14}
